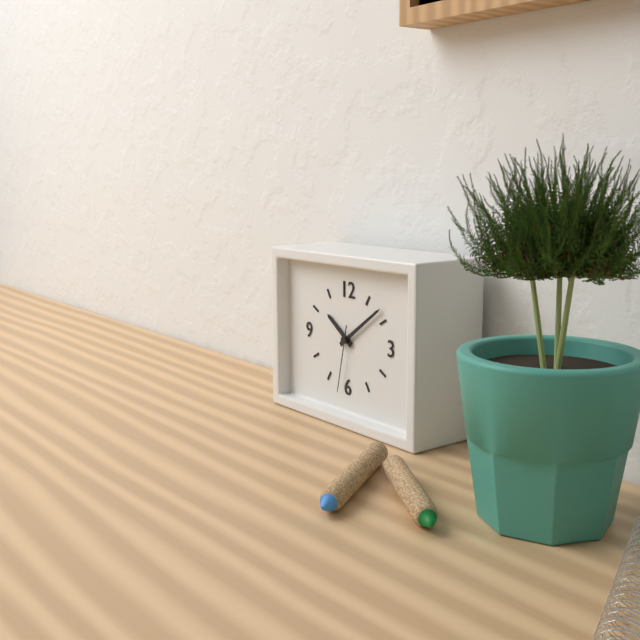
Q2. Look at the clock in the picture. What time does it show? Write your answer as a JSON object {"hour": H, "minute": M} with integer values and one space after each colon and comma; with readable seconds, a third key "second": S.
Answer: {"hour": 10, "minute": 9, "second": 32}
